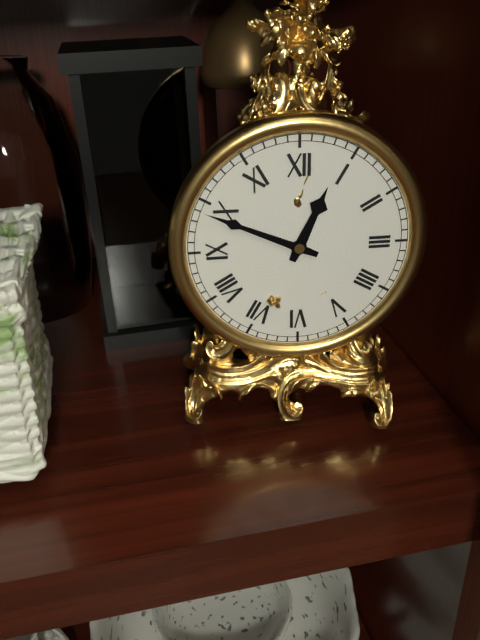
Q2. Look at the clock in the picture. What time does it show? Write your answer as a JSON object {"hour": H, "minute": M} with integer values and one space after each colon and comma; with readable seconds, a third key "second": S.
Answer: {"hour": 12, "minute": 49}
